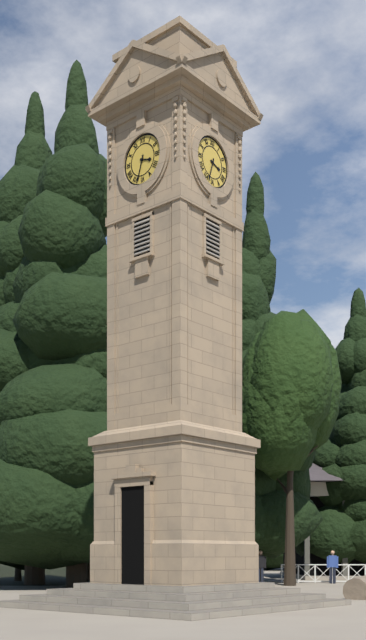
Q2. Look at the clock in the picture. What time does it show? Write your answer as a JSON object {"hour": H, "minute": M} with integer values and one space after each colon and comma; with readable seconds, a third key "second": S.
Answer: {"hour": 3, "minute": 33}
